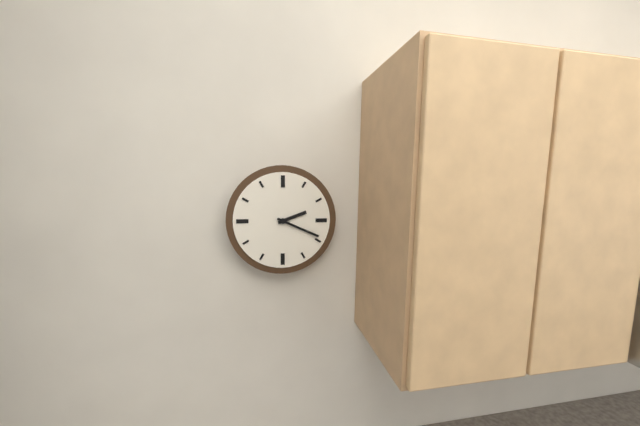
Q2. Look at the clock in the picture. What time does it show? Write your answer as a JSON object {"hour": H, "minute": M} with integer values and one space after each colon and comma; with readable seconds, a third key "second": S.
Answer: {"hour": 2, "minute": 19}
